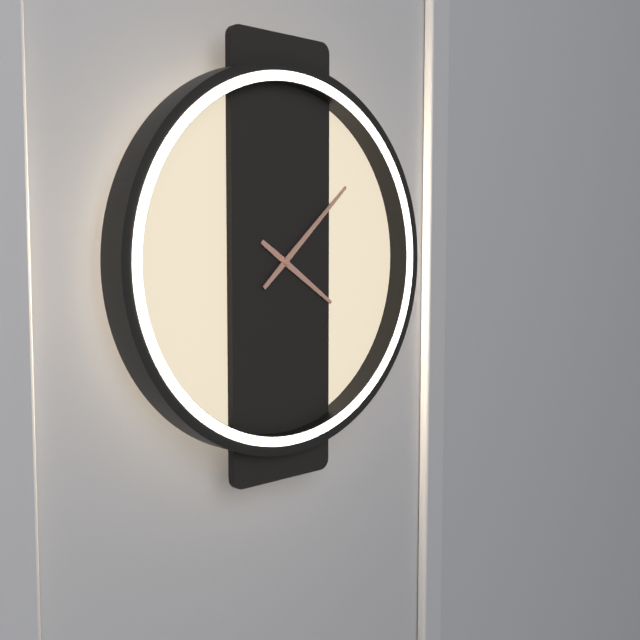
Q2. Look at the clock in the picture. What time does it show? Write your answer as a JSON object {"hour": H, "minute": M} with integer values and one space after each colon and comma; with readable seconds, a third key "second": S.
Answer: {"hour": 4, "minute": 8}
